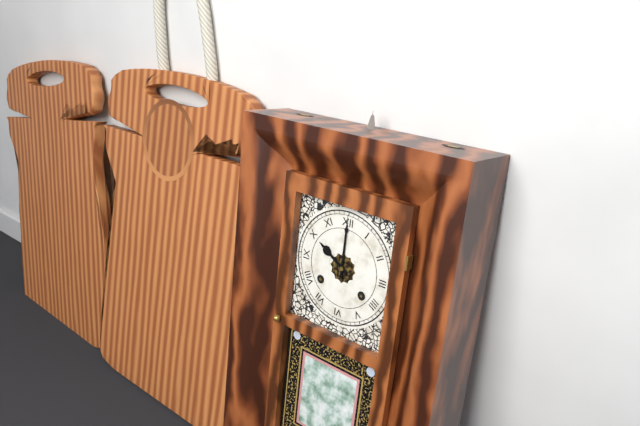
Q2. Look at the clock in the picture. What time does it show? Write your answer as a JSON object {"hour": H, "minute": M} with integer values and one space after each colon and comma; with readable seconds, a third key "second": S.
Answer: {"hour": 10, "minute": 0}
